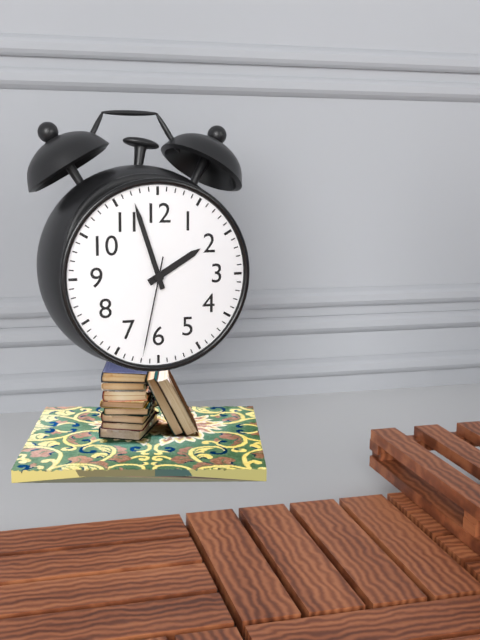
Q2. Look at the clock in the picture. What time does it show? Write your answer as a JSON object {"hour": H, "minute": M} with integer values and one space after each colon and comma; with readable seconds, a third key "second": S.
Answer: {"hour": 1, "minute": 57, "second": 32}
